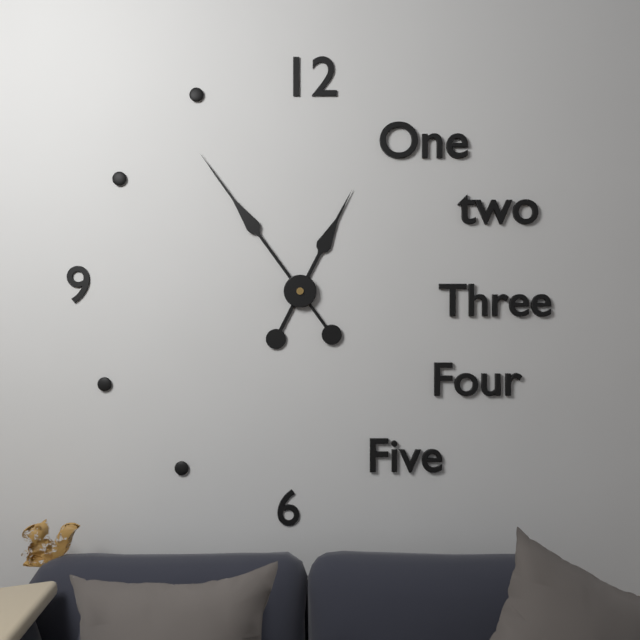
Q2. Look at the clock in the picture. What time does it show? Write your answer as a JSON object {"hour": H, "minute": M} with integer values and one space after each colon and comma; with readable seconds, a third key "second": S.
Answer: {"hour": 12, "minute": 54}
